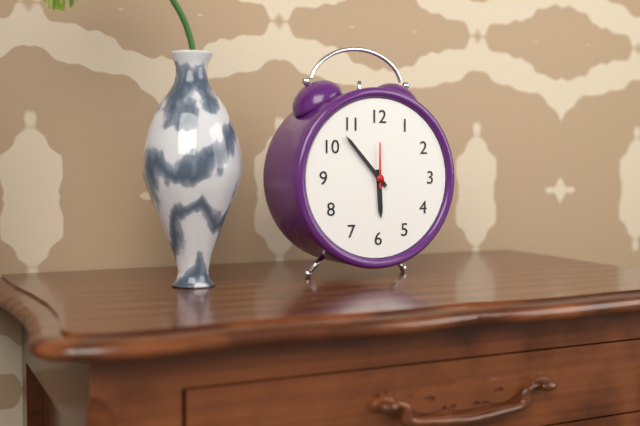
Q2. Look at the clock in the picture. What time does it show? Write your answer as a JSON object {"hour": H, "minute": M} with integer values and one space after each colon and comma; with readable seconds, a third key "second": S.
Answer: {"hour": 5, "minute": 53}
